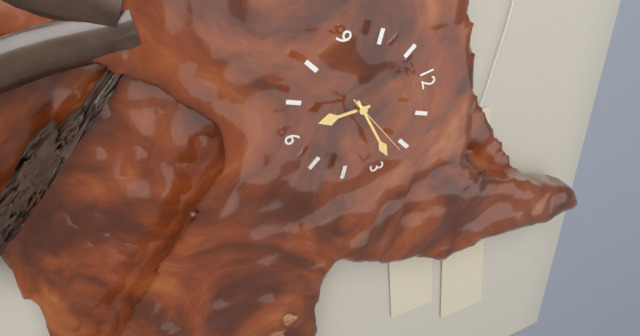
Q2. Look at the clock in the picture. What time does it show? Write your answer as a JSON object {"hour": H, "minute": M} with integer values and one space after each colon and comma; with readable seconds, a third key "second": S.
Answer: {"hour": 6, "minute": 13, "second": 11}
